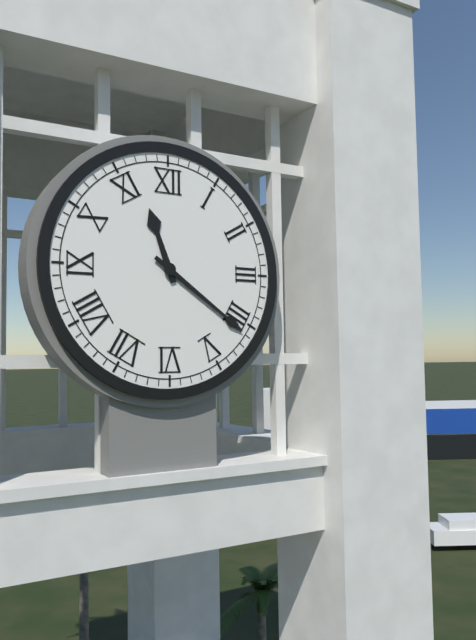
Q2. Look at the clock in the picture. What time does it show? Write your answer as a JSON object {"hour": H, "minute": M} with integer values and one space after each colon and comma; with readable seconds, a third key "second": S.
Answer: {"hour": 11, "minute": 21}
